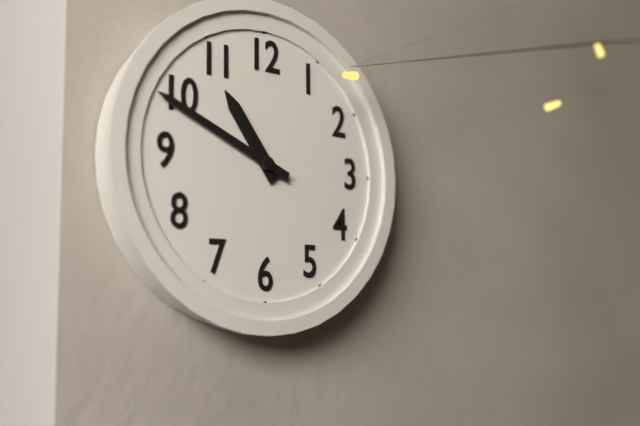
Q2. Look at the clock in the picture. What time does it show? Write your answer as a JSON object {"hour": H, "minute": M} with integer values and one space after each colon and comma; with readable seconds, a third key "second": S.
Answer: {"hour": 10, "minute": 49}
